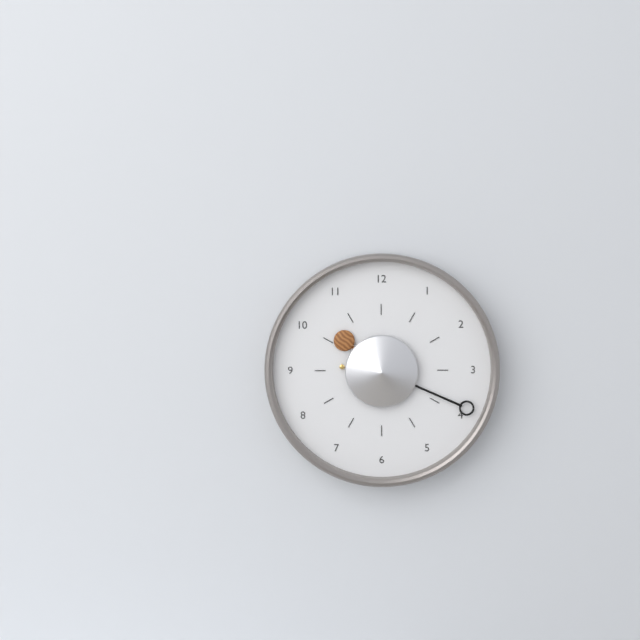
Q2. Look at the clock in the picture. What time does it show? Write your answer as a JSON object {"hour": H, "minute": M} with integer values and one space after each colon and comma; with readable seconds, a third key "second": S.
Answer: {"hour": 10, "minute": 19}
